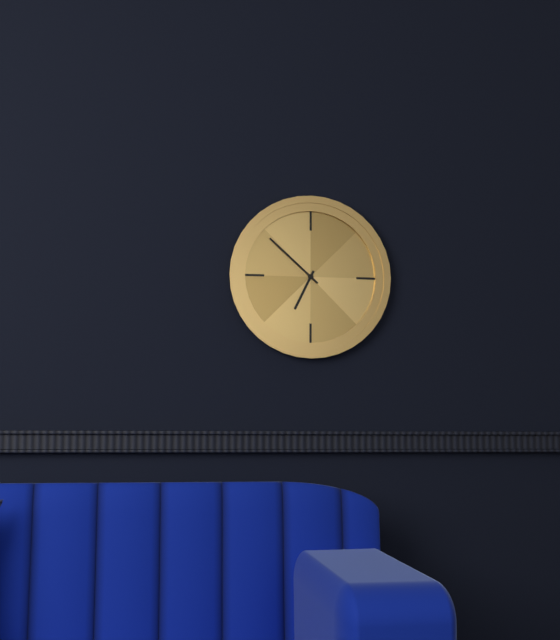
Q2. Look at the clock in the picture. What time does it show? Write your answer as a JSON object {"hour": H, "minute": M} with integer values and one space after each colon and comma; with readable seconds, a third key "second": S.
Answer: {"hour": 6, "minute": 52}
